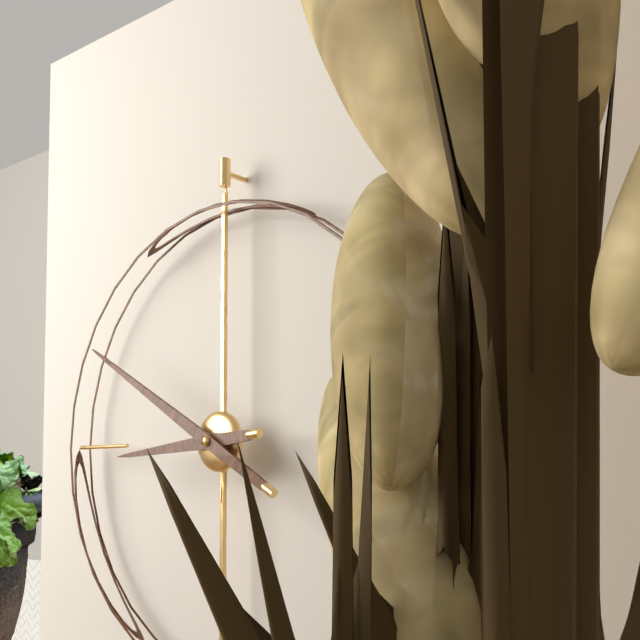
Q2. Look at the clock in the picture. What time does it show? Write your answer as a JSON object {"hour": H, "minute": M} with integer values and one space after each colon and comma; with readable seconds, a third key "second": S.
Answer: {"hour": 8, "minute": 50}
